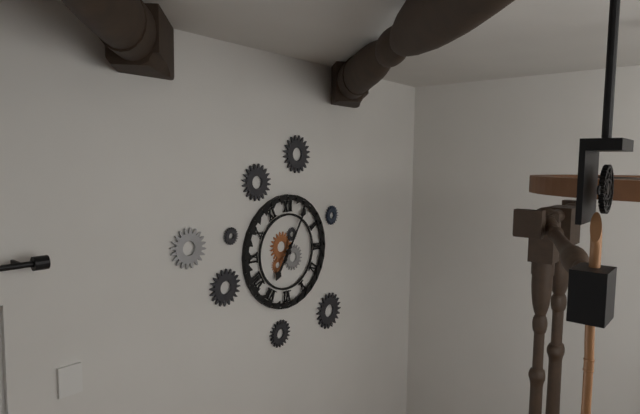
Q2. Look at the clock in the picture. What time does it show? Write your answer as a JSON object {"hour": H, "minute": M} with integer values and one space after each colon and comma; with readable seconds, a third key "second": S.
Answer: {"hour": 7, "minute": 5}
